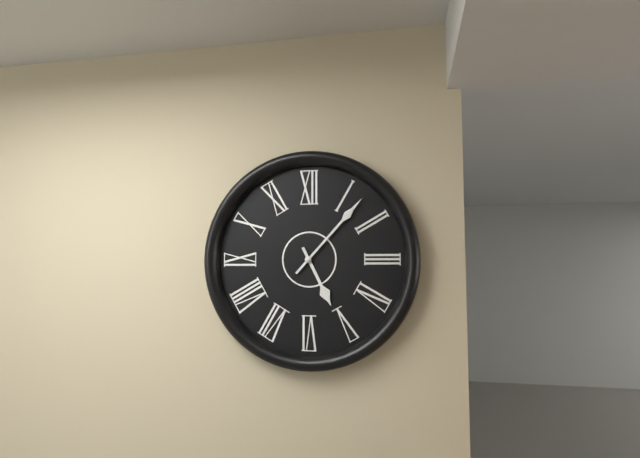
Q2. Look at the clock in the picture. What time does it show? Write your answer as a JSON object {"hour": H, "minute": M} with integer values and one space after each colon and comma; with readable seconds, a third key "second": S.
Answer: {"hour": 5, "minute": 7}
